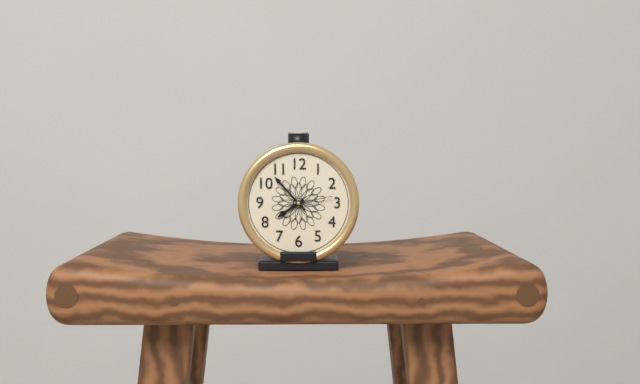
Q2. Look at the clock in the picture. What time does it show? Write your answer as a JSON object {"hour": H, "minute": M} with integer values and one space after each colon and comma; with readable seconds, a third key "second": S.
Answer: {"hour": 7, "minute": 53}
